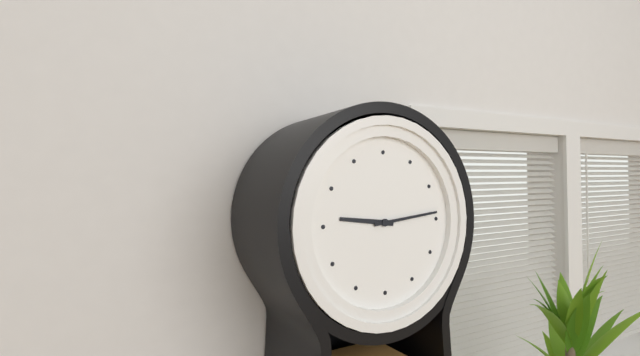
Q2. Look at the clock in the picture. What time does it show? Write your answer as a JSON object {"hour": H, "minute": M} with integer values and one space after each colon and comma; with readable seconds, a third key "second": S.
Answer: {"hour": 9, "minute": 14}
